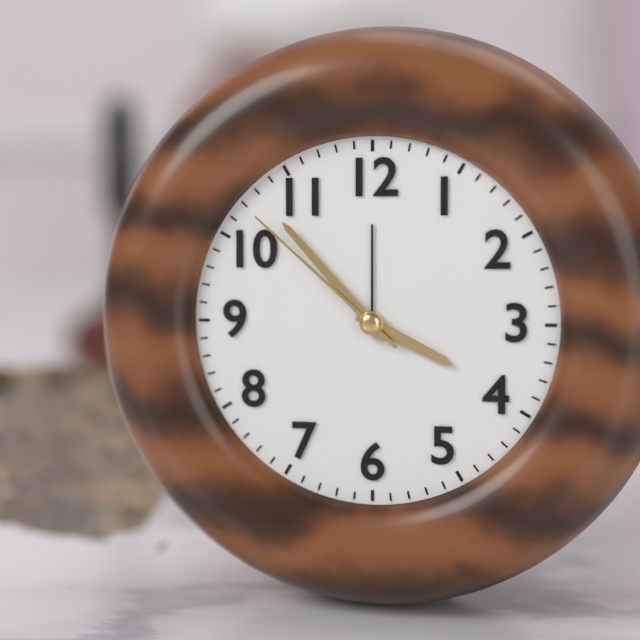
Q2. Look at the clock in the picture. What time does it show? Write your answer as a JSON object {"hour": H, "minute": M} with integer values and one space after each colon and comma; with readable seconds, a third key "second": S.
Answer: {"hour": 3, "minute": 53, "second": 52}
